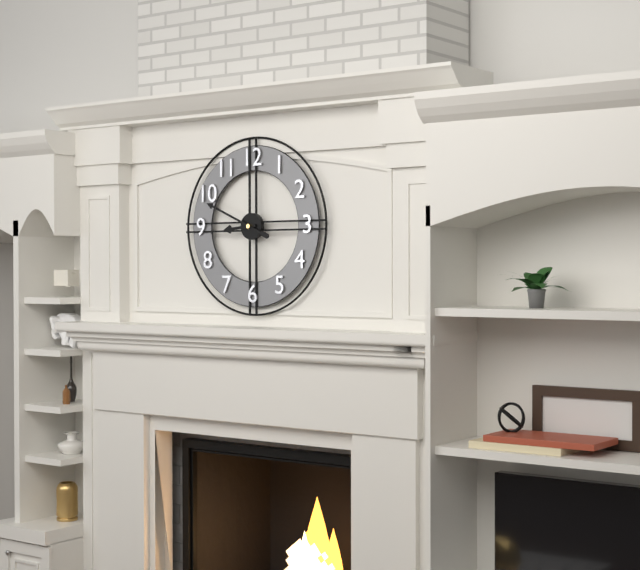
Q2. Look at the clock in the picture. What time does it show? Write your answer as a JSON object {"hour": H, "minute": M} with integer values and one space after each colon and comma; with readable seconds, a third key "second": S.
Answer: {"hour": 8, "minute": 49}
